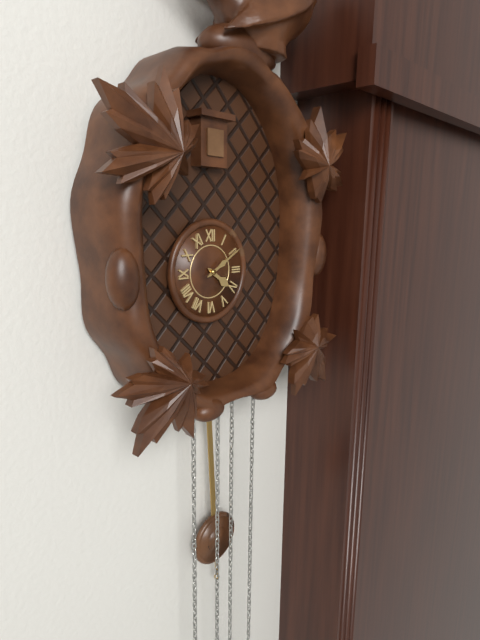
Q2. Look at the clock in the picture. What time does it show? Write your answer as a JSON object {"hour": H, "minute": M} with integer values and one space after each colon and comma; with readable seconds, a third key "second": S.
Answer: {"hour": 4, "minute": 10}
